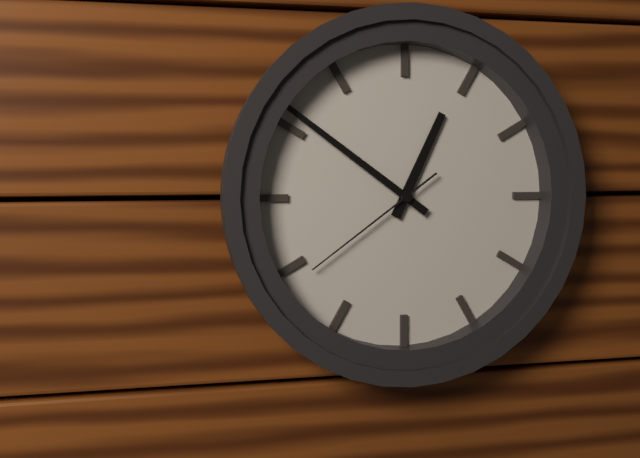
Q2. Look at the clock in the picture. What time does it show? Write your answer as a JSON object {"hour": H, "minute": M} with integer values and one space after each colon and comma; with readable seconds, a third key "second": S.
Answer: {"hour": 12, "minute": 51, "second": 39}
